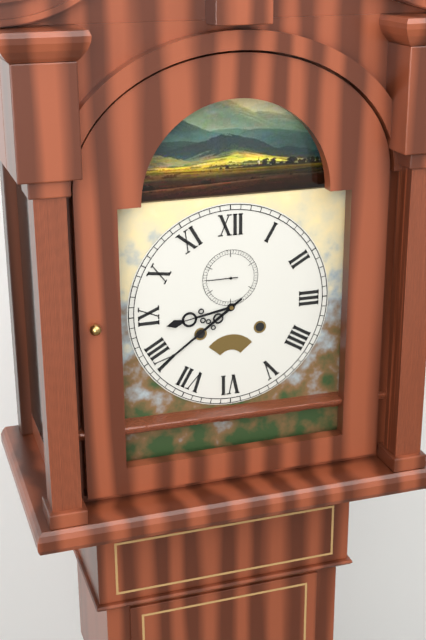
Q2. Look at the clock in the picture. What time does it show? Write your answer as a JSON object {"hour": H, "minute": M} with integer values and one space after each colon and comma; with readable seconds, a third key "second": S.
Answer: {"hour": 8, "minute": 39}
